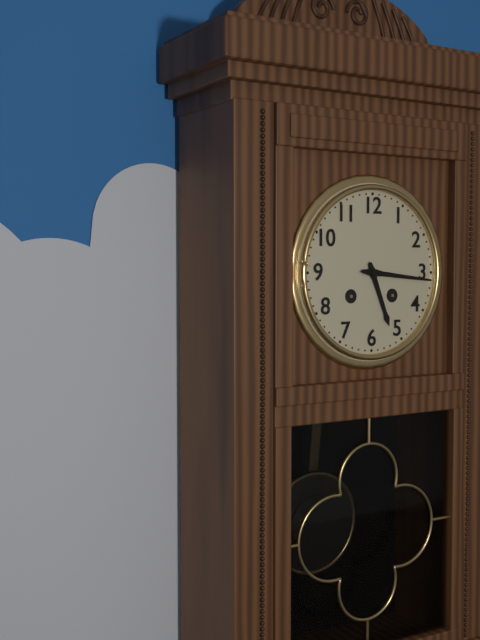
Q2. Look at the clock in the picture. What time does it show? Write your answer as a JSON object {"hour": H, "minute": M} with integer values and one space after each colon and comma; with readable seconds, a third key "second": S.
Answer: {"hour": 5, "minute": 16}
